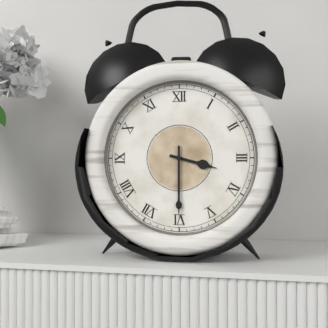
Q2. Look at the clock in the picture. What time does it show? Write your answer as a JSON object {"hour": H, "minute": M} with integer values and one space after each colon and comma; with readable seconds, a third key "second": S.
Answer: {"hour": 3, "minute": 30}
